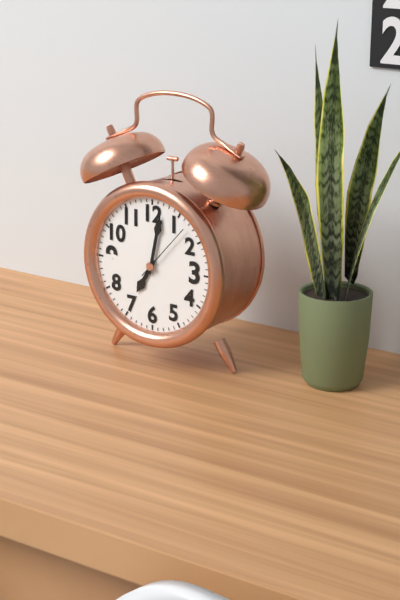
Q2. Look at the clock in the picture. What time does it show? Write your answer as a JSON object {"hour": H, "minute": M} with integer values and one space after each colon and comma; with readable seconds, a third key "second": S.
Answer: {"hour": 7, "minute": 2, "second": 7}
